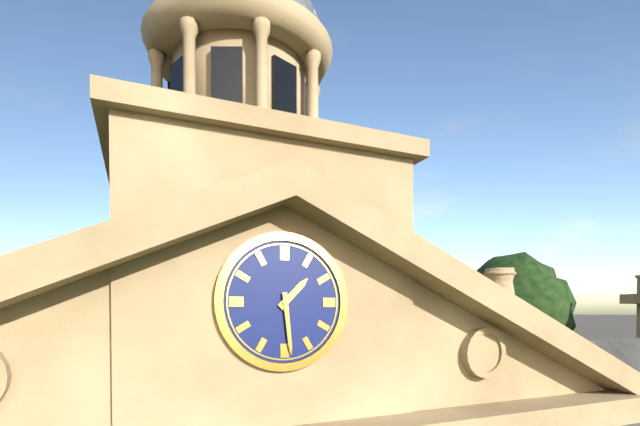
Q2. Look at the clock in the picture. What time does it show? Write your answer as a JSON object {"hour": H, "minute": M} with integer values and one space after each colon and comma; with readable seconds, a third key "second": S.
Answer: {"hour": 1, "minute": 29}
